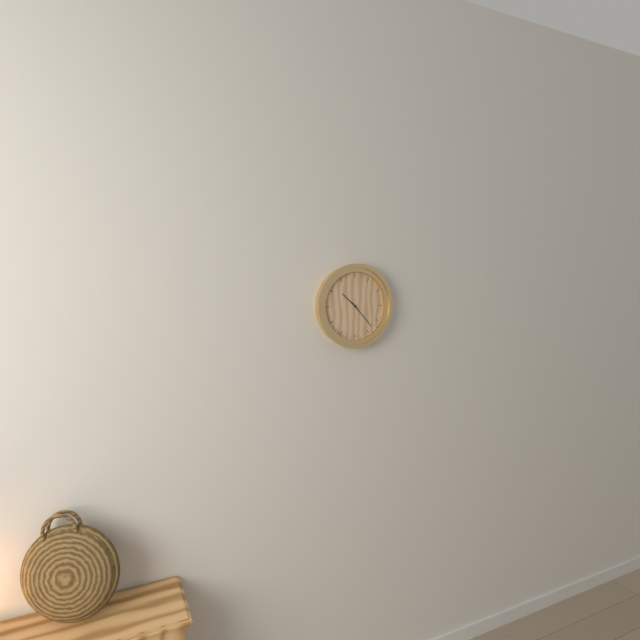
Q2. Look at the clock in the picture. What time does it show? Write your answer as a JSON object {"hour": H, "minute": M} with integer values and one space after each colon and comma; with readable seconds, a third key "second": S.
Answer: {"hour": 10, "minute": 23}
